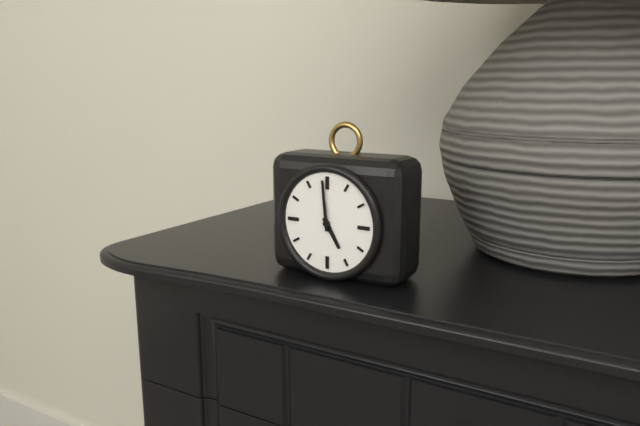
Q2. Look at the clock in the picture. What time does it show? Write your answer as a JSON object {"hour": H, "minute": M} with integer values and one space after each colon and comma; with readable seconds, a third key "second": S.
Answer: {"hour": 4, "minute": 59}
